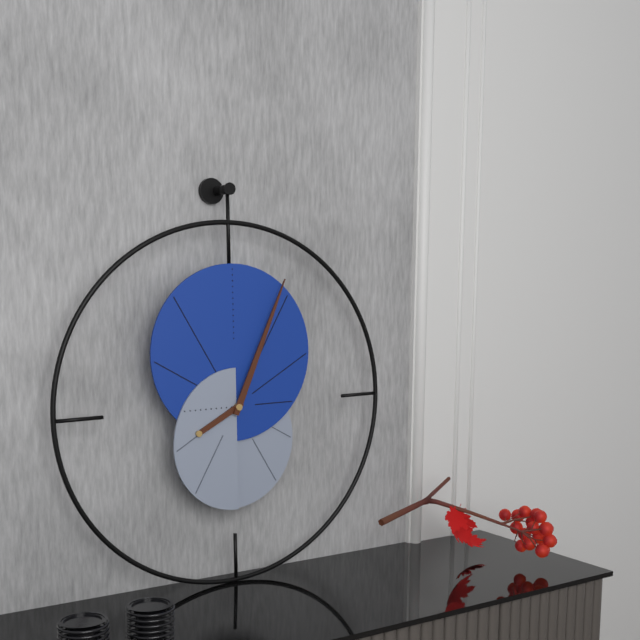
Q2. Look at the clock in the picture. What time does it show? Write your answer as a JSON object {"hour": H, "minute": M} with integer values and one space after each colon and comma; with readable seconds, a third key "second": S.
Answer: {"hour": 8, "minute": 4}
